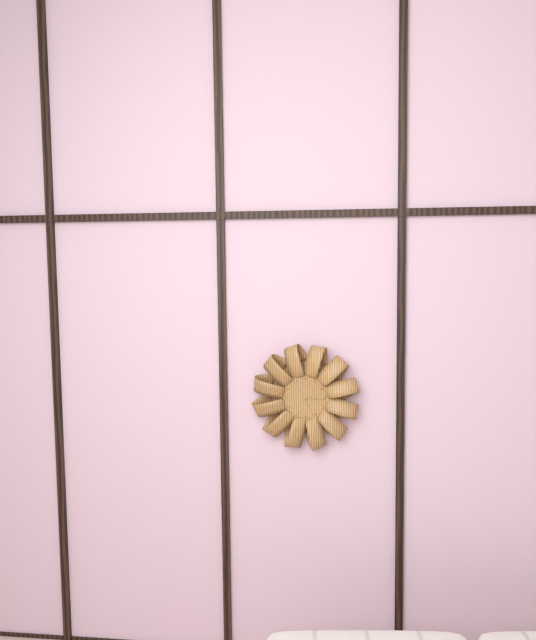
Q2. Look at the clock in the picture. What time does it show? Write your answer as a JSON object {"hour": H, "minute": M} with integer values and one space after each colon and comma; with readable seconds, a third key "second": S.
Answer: {"hour": 5, "minute": 16}
